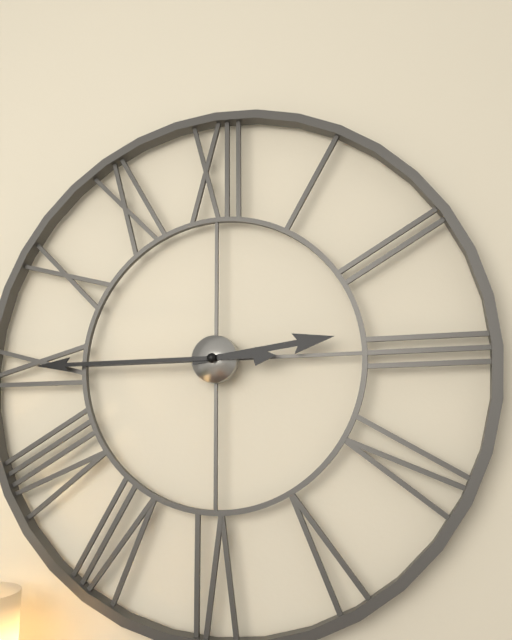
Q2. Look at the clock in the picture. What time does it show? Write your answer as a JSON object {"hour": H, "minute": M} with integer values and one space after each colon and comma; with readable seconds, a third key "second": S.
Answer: {"hour": 2, "minute": 45}
